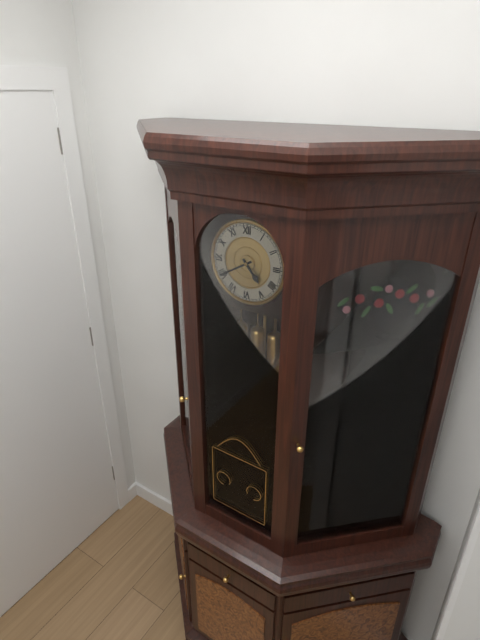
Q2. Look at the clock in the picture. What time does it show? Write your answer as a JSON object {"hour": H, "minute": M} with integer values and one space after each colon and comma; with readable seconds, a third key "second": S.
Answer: {"hour": 4, "minute": 40}
